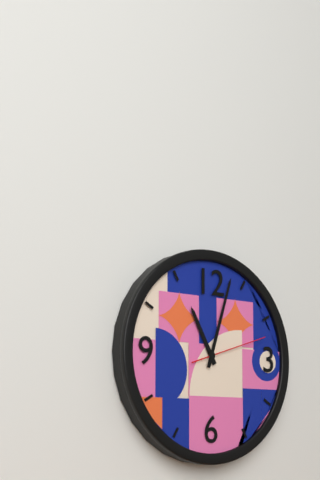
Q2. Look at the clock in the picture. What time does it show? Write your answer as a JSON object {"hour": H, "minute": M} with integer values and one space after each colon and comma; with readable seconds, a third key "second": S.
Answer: {"hour": 11, "minute": 3, "second": 12}
